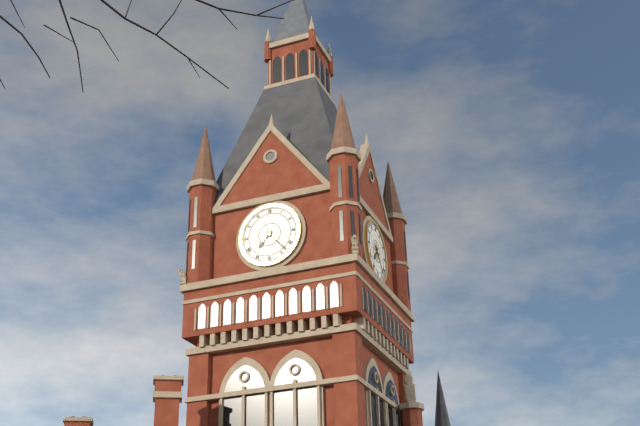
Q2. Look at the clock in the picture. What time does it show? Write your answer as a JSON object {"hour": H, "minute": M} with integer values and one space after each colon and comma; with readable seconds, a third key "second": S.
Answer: {"hour": 7, "minute": 23}
